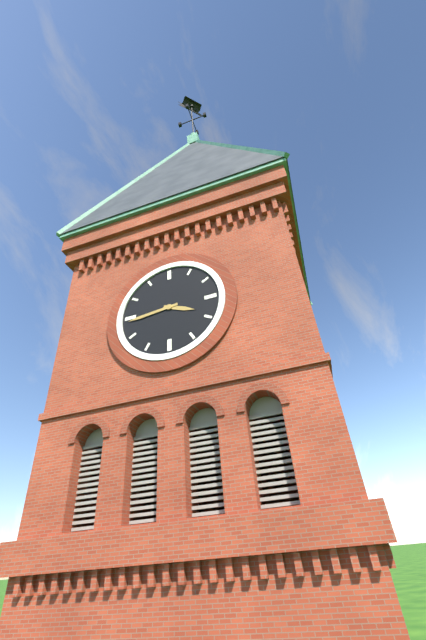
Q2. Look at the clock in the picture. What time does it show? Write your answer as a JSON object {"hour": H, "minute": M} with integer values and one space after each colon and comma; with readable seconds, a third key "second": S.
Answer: {"hour": 3, "minute": 44}
